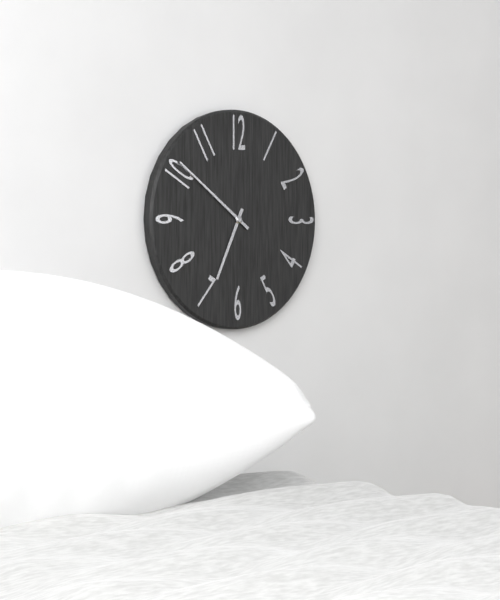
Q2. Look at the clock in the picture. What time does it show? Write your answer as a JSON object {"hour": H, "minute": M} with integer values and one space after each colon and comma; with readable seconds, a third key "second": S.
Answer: {"hour": 6, "minute": 51}
